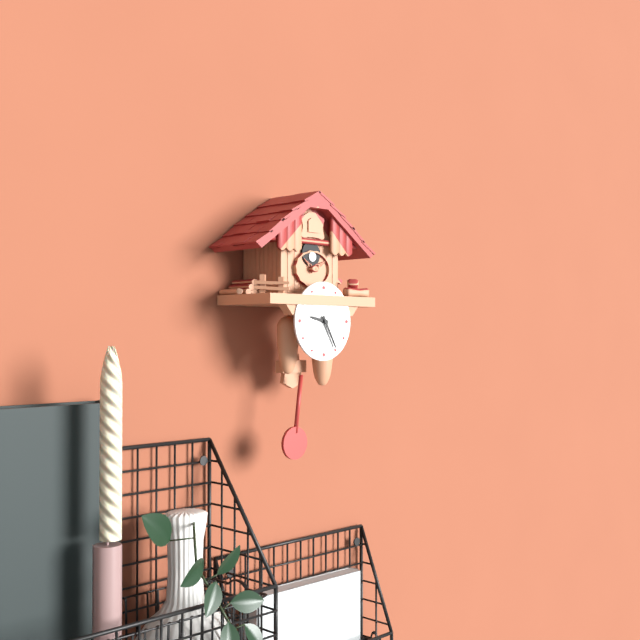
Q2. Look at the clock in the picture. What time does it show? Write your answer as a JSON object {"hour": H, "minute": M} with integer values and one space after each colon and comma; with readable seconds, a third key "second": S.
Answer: {"hour": 9, "minute": 25}
